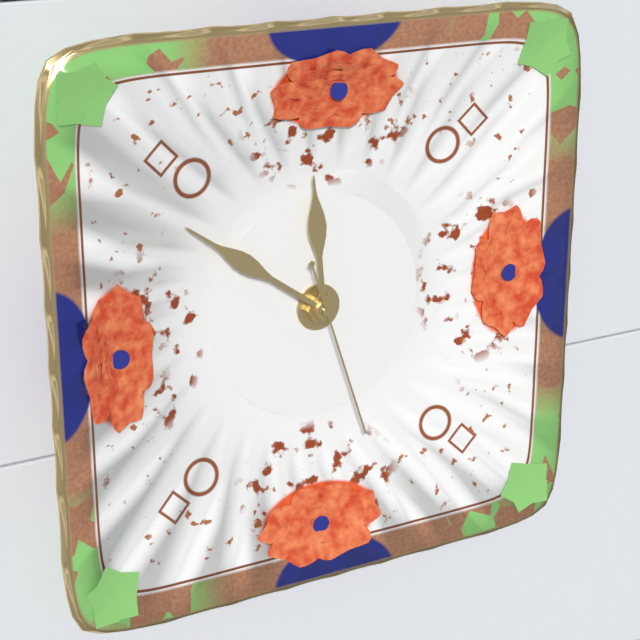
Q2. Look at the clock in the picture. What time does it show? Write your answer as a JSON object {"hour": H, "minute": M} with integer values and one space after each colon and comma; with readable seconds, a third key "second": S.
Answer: {"hour": 11, "minute": 51, "second": 27}
